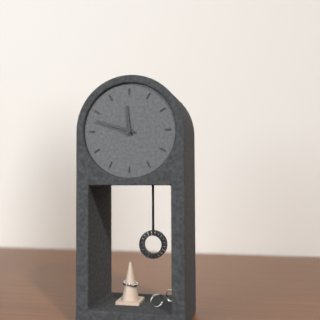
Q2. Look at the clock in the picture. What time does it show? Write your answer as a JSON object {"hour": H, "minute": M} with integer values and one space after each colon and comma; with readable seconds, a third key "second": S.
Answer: {"hour": 11, "minute": 48}
